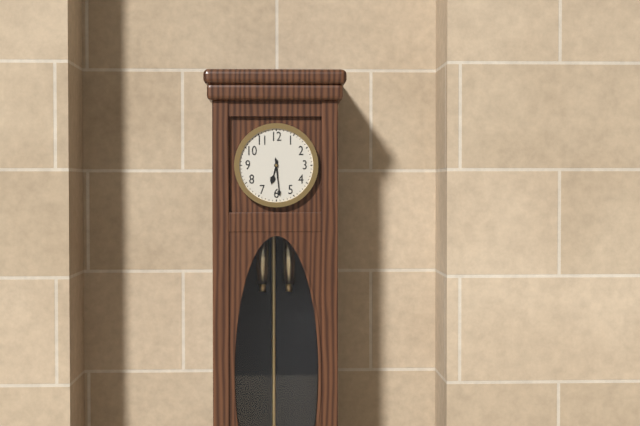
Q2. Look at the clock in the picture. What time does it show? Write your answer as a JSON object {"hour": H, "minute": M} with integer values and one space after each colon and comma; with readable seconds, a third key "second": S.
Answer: {"hour": 6, "minute": 29}
